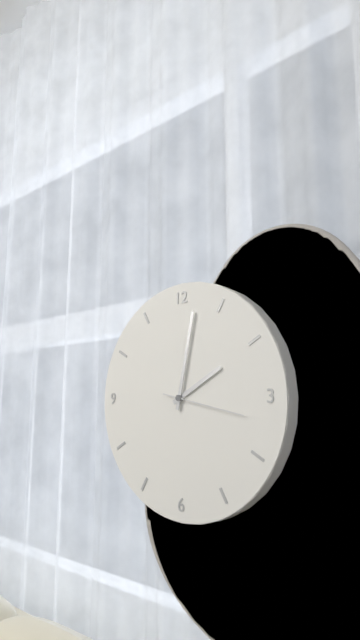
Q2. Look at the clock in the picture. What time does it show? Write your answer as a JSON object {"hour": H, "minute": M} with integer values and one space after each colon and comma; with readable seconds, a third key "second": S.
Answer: {"hour": 2, "minute": 2, "second": 17}
